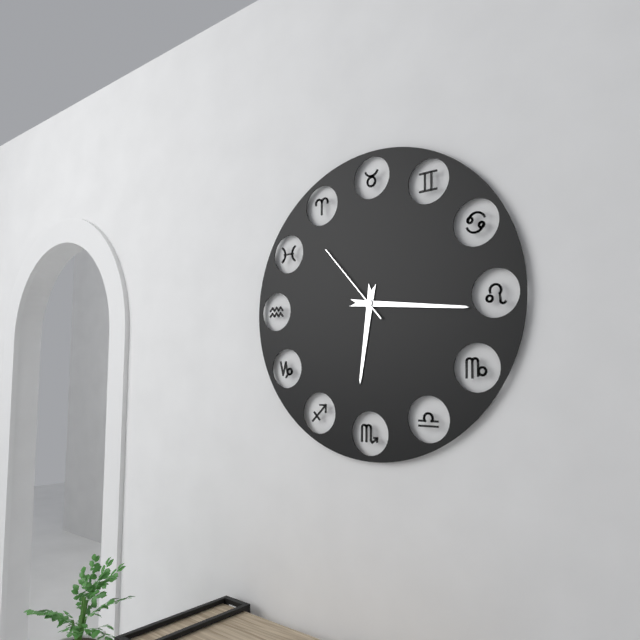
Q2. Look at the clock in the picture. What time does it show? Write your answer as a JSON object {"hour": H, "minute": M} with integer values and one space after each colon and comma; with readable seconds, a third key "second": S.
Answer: {"hour": 6, "minute": 16, "second": 53}
